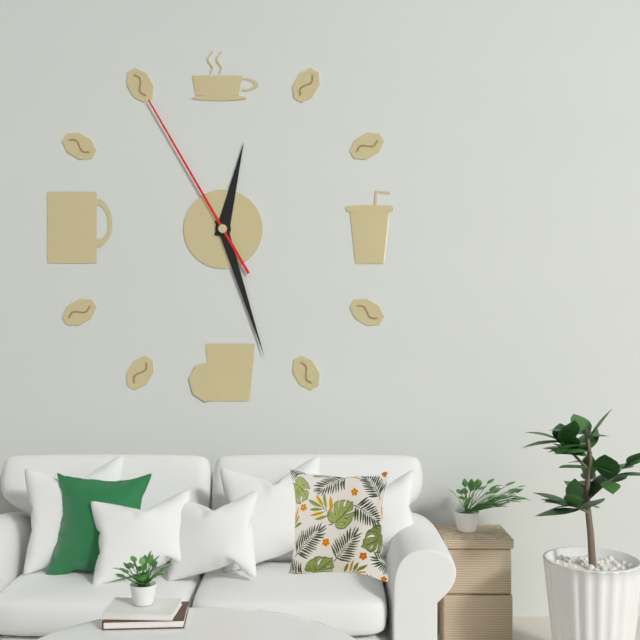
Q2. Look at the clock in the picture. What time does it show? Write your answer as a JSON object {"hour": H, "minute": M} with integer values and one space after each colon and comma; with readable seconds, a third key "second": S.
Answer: {"hour": 12, "minute": 27, "second": 55}
